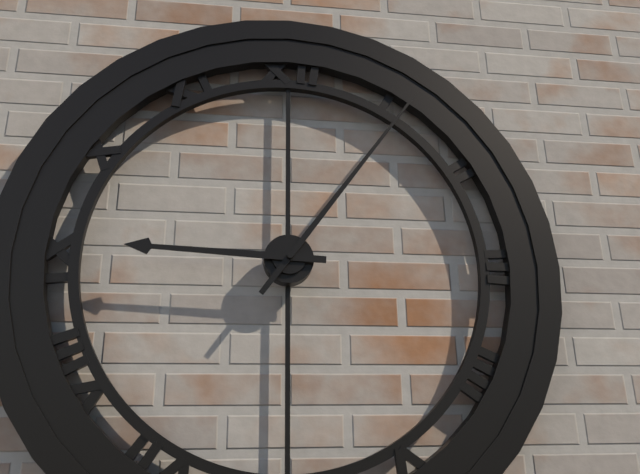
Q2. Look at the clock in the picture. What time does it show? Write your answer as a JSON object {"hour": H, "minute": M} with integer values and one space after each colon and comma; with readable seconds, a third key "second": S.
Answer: {"hour": 9, "minute": 6}
